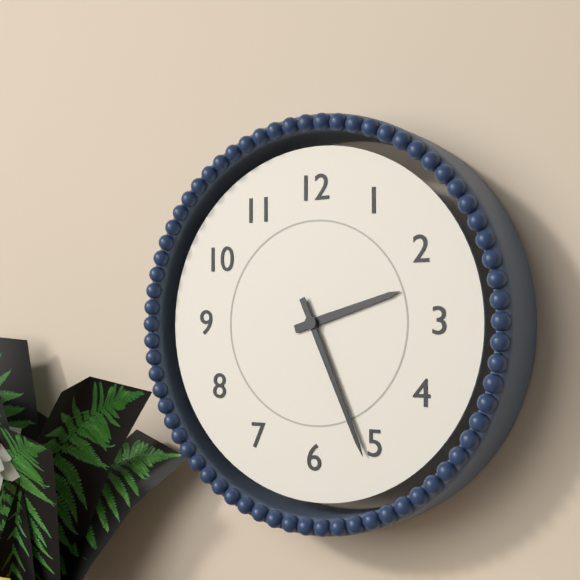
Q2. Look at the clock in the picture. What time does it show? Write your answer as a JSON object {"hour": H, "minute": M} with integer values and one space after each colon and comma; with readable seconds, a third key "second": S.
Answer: {"hour": 2, "minute": 26}
